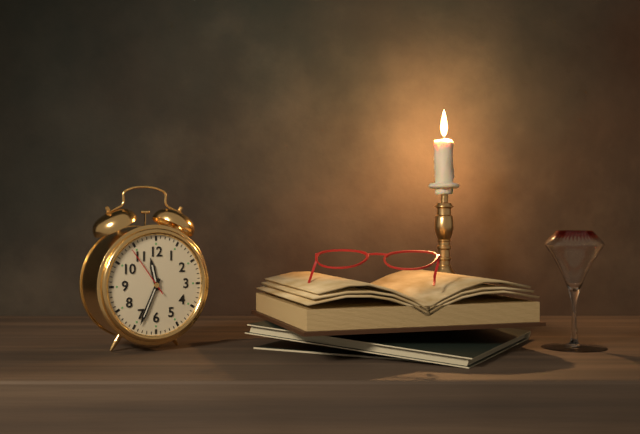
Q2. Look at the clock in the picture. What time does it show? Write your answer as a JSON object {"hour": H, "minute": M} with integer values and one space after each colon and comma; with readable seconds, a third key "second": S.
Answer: {"hour": 11, "minute": 34, "second": 54}
